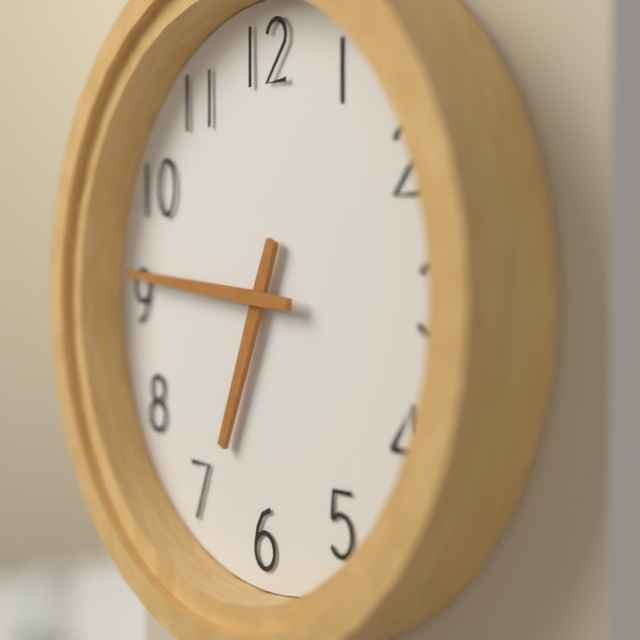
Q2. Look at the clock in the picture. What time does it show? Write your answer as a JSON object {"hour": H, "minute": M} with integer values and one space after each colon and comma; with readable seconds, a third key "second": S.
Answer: {"hour": 6, "minute": 46}
